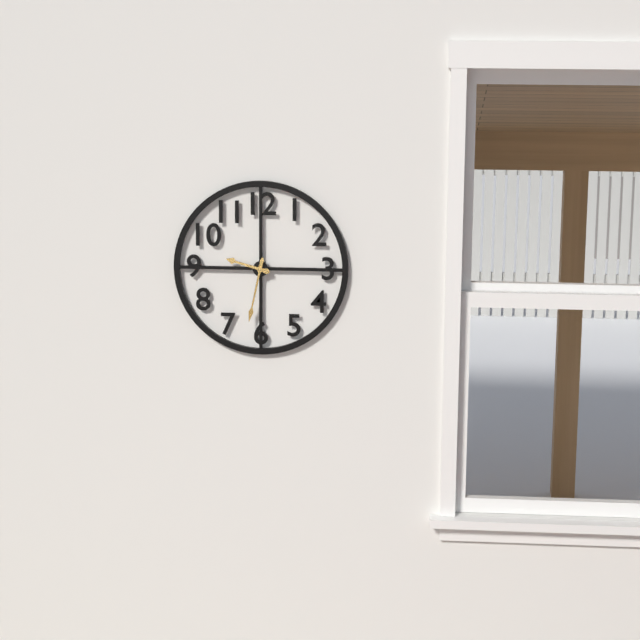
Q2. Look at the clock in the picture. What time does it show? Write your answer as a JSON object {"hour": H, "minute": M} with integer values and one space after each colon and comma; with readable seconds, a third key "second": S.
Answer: {"hour": 9, "minute": 32}
